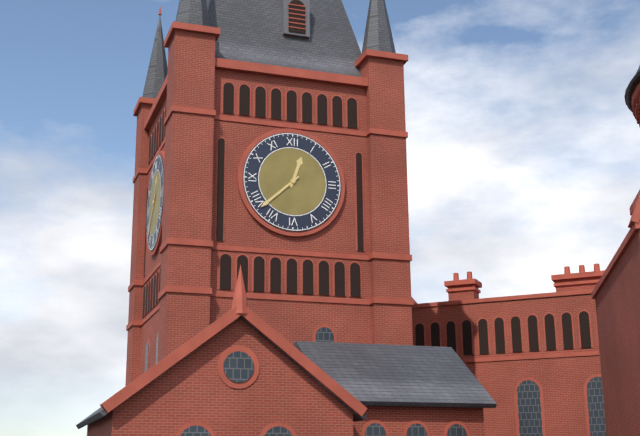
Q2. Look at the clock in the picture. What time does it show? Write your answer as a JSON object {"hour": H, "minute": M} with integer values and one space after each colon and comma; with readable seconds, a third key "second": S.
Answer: {"hour": 12, "minute": 38}
